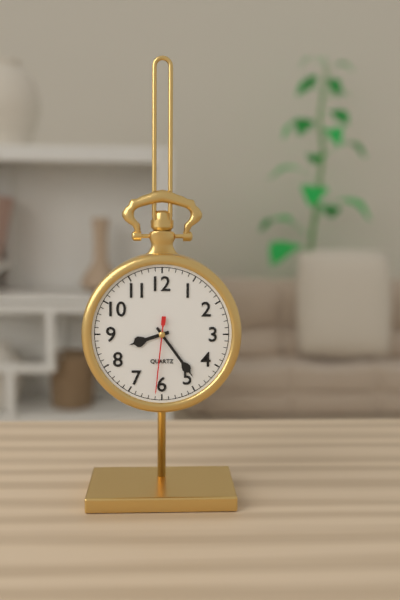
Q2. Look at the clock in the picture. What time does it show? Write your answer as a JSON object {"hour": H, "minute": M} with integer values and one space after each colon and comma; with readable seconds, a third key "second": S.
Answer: {"hour": 8, "minute": 24, "second": 31}
